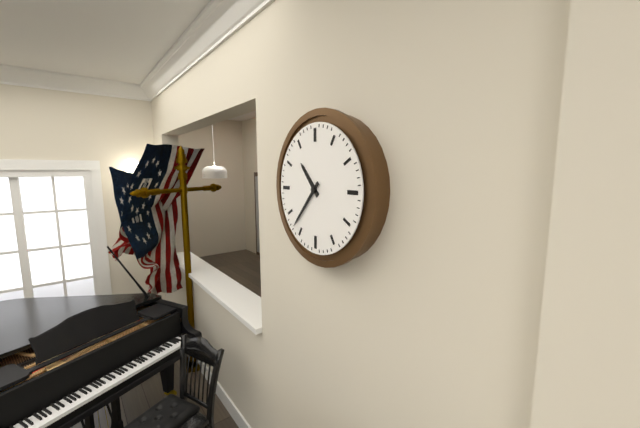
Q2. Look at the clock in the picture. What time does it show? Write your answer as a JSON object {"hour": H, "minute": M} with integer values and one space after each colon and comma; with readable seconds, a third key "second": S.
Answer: {"hour": 10, "minute": 37}
